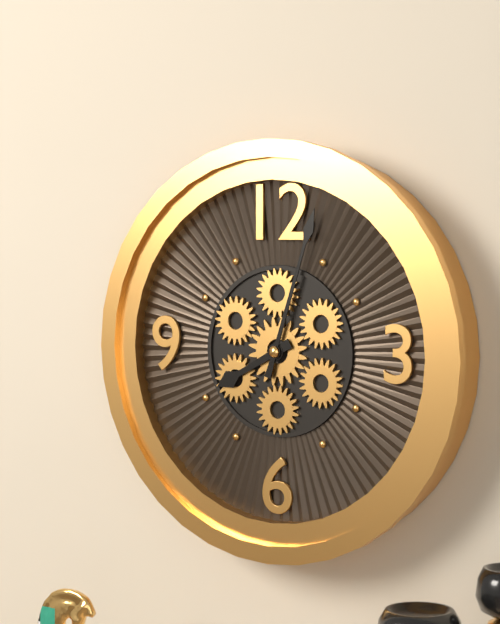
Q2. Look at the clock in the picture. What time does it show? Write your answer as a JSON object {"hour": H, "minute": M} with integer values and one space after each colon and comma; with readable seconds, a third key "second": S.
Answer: {"hour": 8, "minute": 3}
